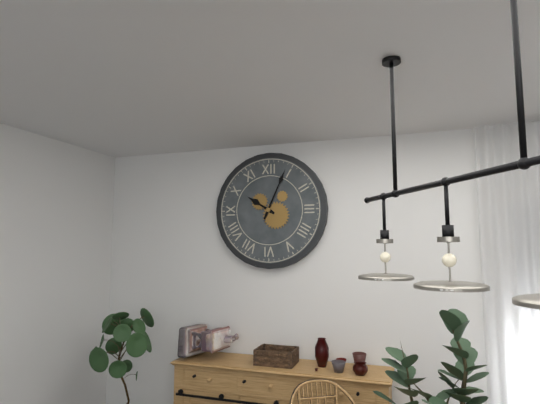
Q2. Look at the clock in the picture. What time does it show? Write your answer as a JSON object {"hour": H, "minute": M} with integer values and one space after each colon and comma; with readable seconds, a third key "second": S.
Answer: {"hour": 10, "minute": 4}
